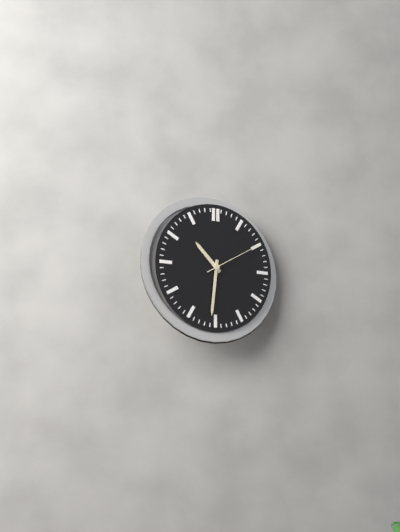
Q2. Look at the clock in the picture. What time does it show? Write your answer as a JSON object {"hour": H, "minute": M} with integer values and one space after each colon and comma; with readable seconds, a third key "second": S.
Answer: {"hour": 10, "minute": 31, "second": 10}
